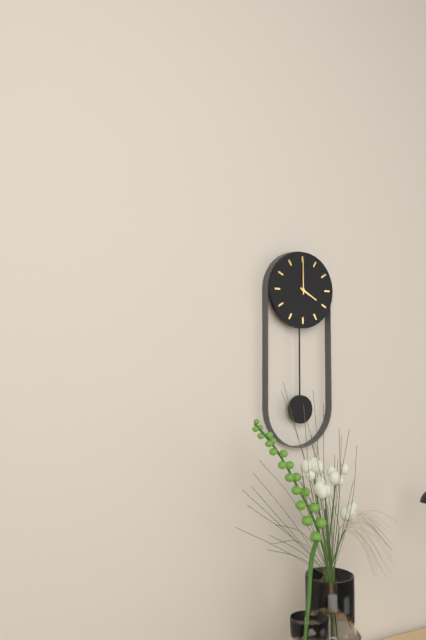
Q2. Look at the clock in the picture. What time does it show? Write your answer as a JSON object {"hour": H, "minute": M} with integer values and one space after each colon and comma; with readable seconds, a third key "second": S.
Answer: {"hour": 4, "minute": 0}
